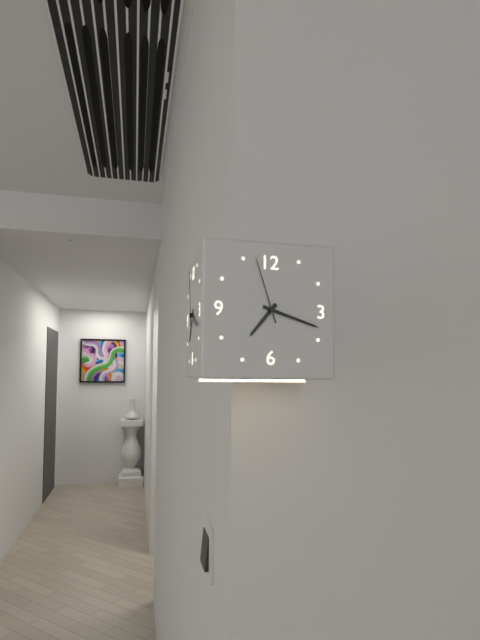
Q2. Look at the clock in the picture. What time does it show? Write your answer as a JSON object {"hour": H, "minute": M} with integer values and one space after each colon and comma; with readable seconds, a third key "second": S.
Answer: {"hour": 7, "minute": 18, "second": 57}
